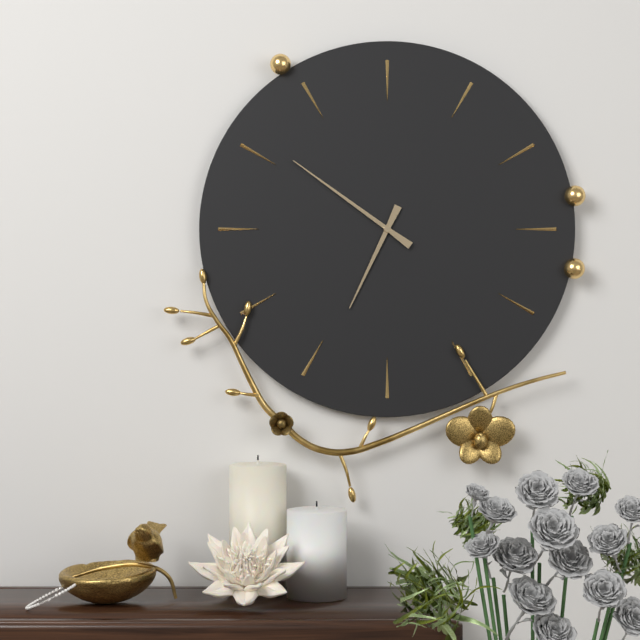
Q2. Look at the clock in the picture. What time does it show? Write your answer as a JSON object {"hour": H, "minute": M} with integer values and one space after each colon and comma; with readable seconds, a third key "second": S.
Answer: {"hour": 6, "minute": 51}
